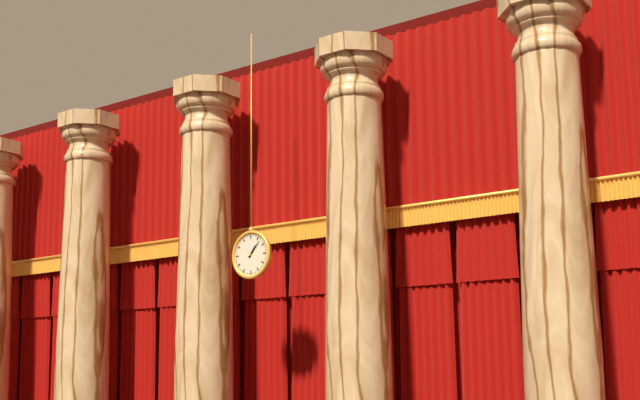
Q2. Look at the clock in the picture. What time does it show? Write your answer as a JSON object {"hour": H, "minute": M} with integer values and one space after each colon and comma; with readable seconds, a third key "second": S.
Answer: {"hour": 1, "minute": 7}
